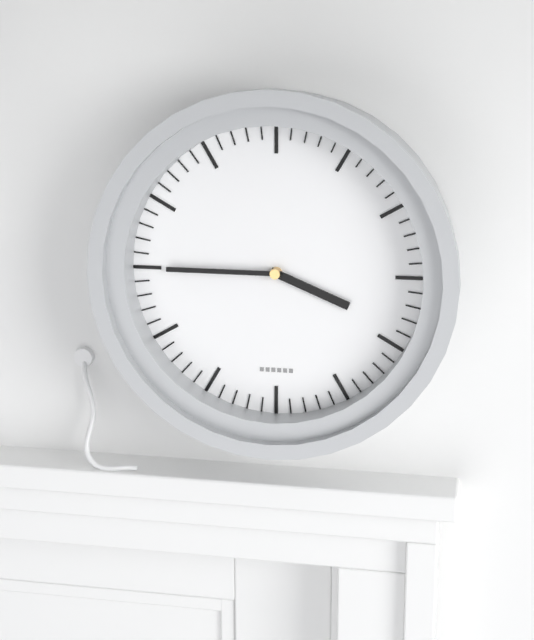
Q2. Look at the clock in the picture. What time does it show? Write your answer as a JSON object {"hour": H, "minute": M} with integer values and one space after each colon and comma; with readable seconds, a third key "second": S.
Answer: {"hour": 3, "minute": 45}
